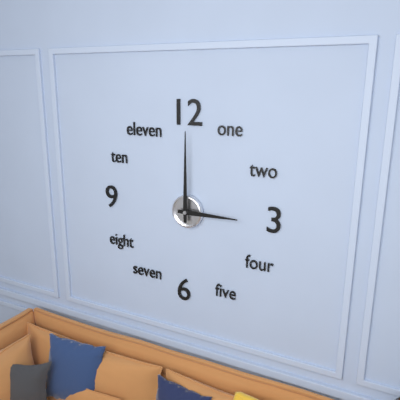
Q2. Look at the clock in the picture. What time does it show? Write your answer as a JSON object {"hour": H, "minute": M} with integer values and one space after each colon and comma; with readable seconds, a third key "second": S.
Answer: {"hour": 3, "minute": 0}
